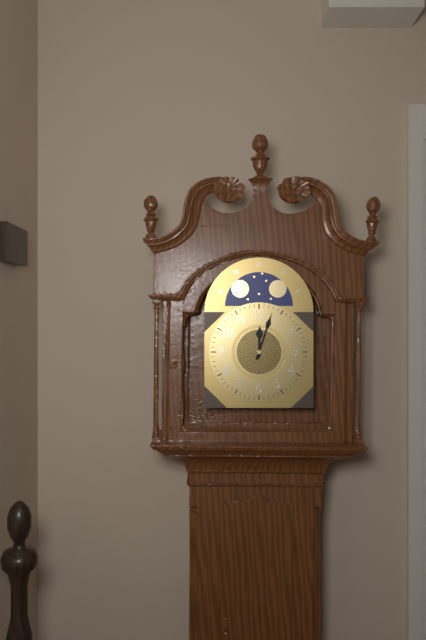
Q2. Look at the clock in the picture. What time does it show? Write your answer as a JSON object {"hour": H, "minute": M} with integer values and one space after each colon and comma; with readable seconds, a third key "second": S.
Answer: {"hour": 12, "minute": 3}
